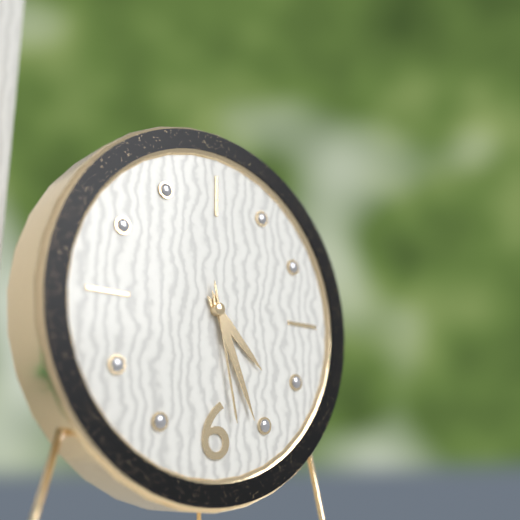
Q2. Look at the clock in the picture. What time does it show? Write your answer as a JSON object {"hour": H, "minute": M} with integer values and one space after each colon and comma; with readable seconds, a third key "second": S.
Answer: {"hour": 4, "minute": 26, "second": 28}
